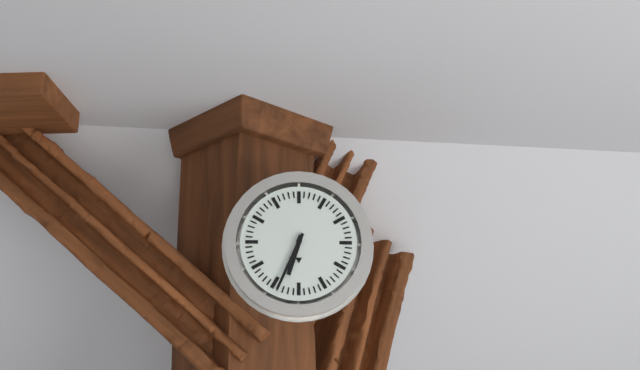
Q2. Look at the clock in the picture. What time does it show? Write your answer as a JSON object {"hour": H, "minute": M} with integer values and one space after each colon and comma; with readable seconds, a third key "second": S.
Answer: {"hour": 6, "minute": 34}
